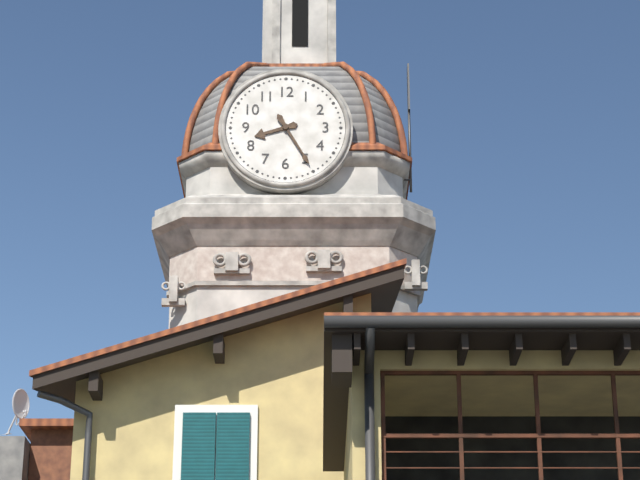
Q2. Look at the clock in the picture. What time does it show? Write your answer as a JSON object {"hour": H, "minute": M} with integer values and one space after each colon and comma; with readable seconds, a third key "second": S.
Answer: {"hour": 8, "minute": 25}
